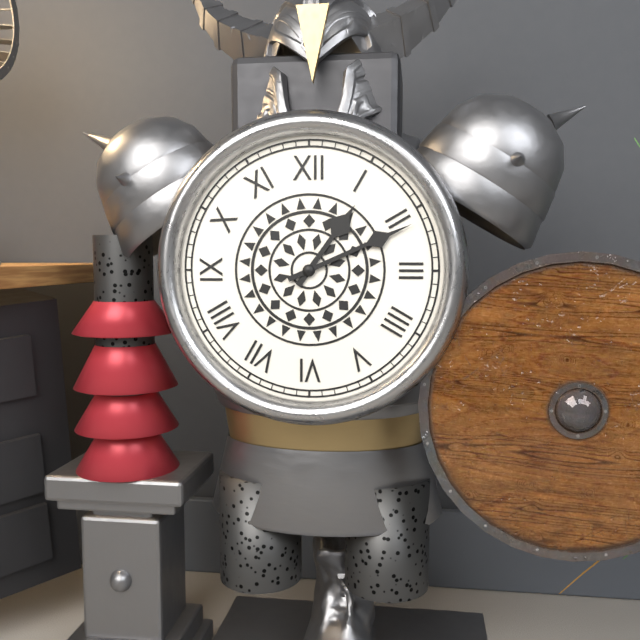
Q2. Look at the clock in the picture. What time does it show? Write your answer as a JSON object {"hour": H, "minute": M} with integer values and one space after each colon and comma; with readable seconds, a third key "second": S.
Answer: {"hour": 1, "minute": 11}
